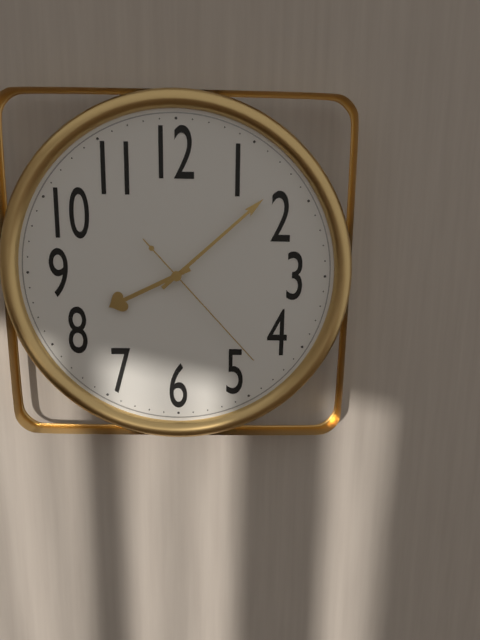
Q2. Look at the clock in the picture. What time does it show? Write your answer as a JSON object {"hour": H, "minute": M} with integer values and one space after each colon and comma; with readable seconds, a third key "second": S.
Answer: {"hour": 8, "minute": 8, "second": 23}
